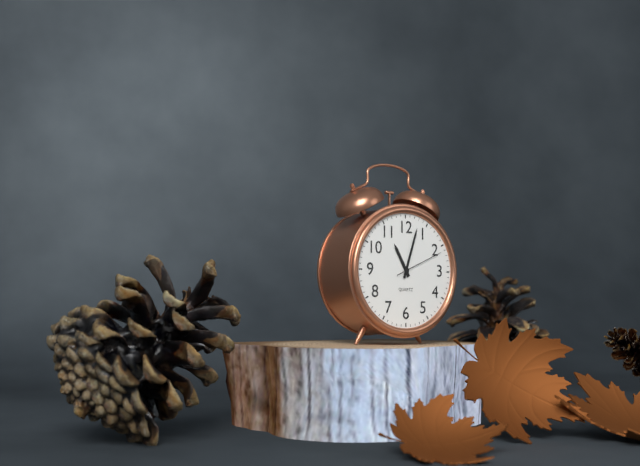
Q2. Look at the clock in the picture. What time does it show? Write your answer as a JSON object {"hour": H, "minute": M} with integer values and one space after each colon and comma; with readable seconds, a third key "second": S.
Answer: {"hour": 11, "minute": 3, "second": 11}
